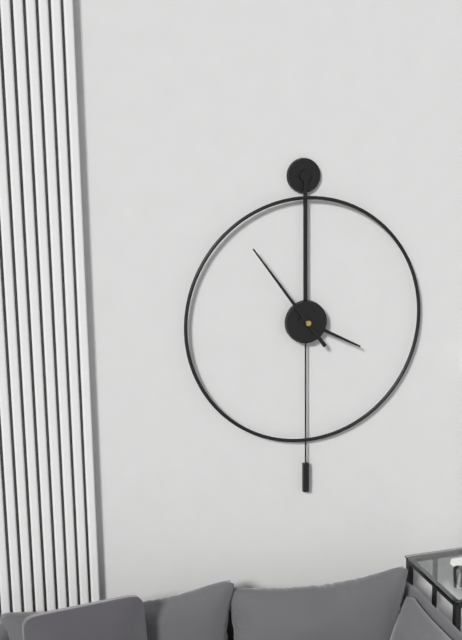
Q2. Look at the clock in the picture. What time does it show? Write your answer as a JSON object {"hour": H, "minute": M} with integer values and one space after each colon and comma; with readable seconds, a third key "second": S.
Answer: {"hour": 3, "minute": 54}
